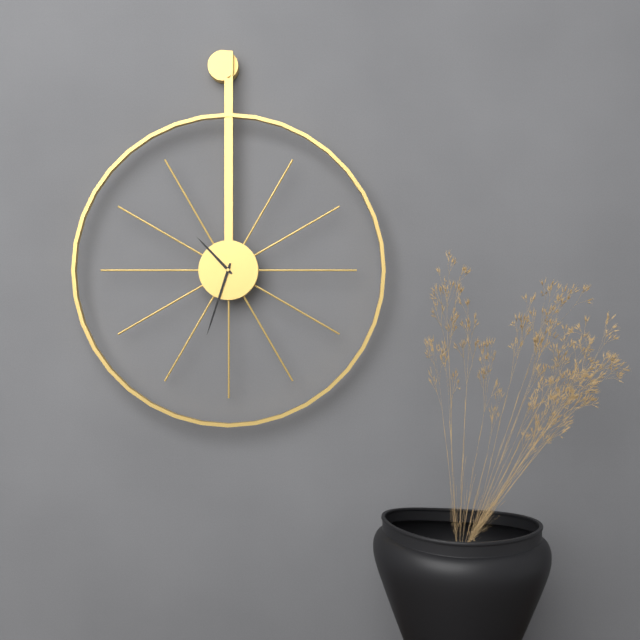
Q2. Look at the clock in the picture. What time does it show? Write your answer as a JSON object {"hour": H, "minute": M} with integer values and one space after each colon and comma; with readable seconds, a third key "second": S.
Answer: {"hour": 10, "minute": 33}
